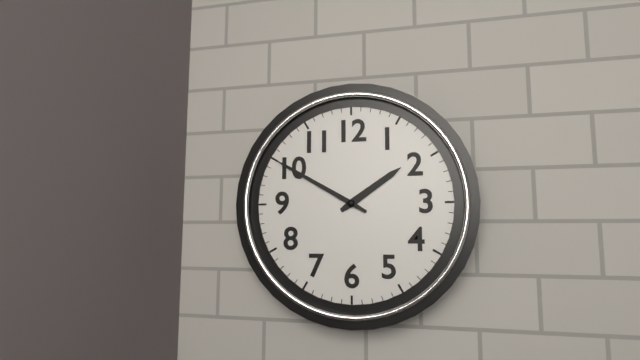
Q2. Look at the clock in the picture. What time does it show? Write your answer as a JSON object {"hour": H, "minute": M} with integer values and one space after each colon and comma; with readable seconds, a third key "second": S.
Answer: {"hour": 1, "minute": 50}
